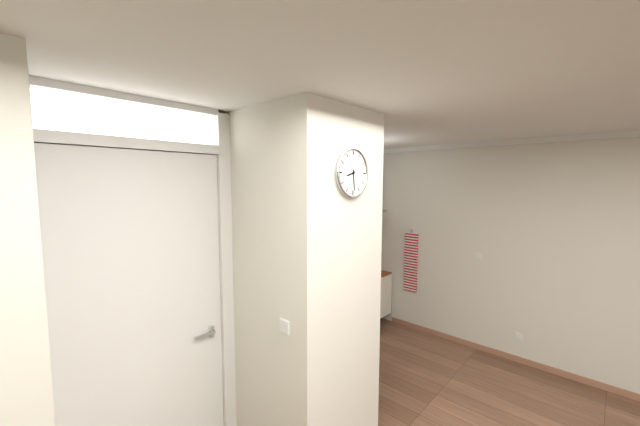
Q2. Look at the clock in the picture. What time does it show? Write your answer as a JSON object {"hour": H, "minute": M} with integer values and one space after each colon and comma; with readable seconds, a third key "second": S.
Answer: {"hour": 8, "minute": 29}
